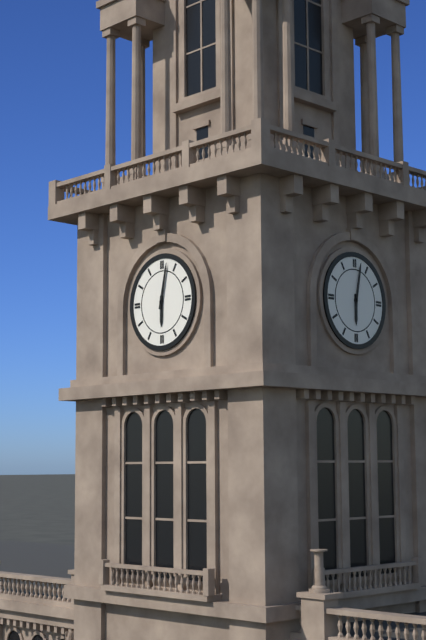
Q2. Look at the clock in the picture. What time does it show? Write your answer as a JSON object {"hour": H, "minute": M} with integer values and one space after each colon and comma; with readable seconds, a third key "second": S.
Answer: {"hour": 6, "minute": 2}
